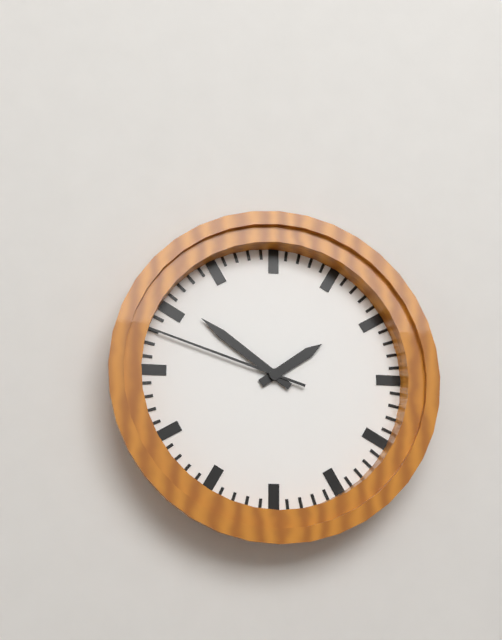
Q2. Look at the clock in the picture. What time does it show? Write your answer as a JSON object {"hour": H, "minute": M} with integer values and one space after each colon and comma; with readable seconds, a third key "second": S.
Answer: {"hour": 1, "minute": 51, "second": 48}
